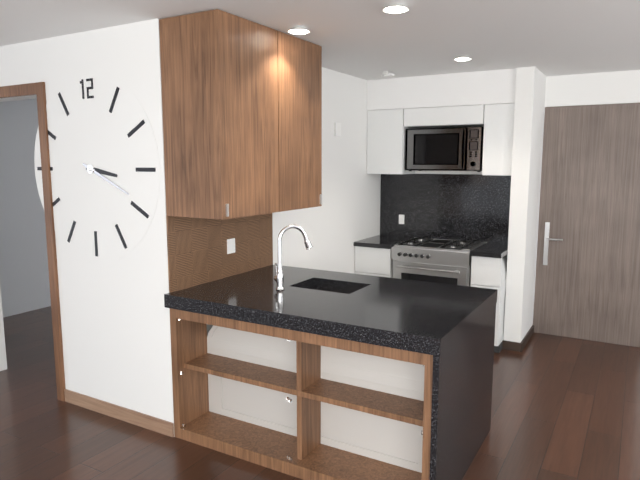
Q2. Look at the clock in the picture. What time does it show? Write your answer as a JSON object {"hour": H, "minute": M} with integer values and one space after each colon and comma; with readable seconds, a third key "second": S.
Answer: {"hour": 3, "minute": 19}
